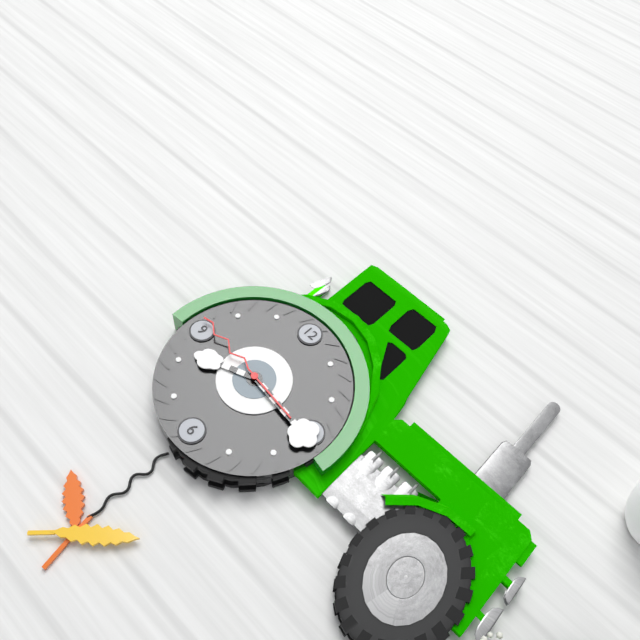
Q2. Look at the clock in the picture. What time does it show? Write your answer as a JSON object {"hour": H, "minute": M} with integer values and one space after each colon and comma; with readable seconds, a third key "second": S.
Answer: {"hour": 8, "minute": 16, "second": 46}
